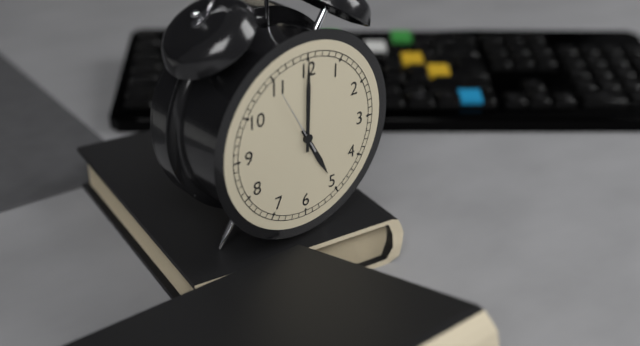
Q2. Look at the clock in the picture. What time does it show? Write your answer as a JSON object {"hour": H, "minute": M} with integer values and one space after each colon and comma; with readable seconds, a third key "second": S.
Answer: {"hour": 5, "minute": 0}
